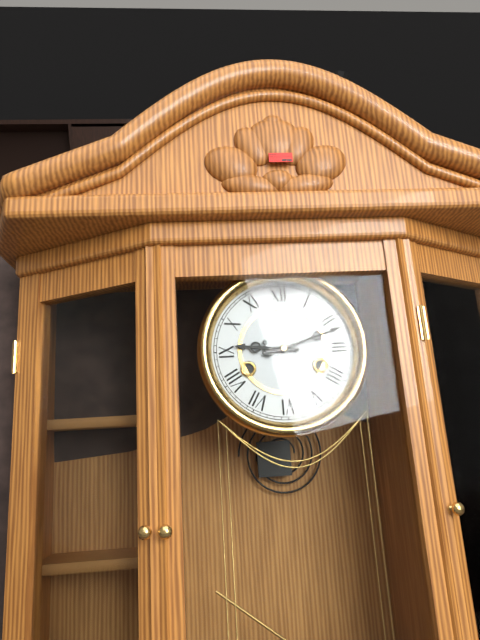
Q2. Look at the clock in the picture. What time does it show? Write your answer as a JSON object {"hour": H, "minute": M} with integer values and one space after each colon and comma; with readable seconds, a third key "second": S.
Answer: {"hour": 9, "minute": 12}
